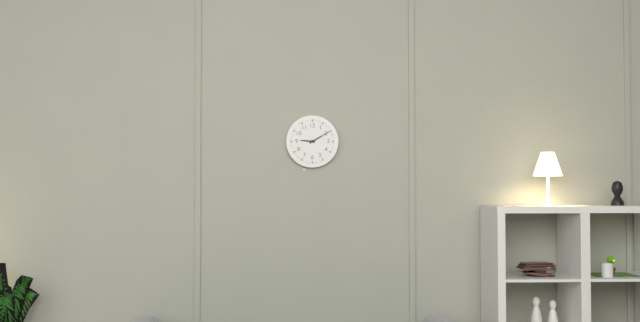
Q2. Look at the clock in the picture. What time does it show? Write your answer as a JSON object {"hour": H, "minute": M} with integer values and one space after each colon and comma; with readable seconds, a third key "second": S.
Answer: {"hour": 9, "minute": 10}
